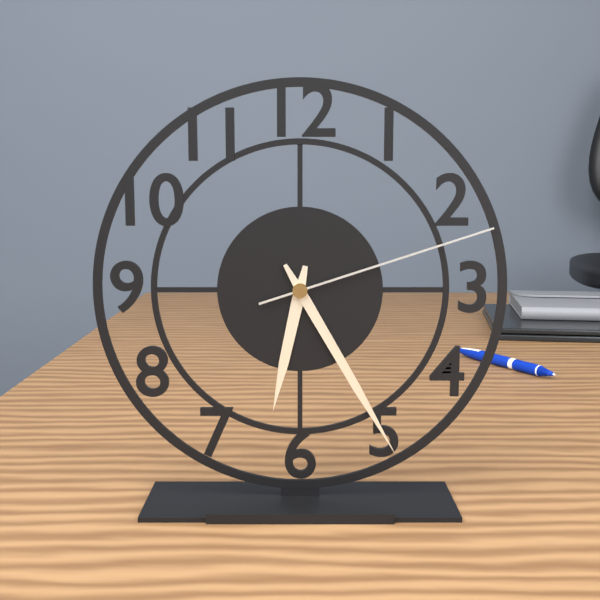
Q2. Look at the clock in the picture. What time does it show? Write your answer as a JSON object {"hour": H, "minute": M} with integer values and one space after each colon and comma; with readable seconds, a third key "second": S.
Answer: {"hour": 6, "minute": 25, "second": 12}
